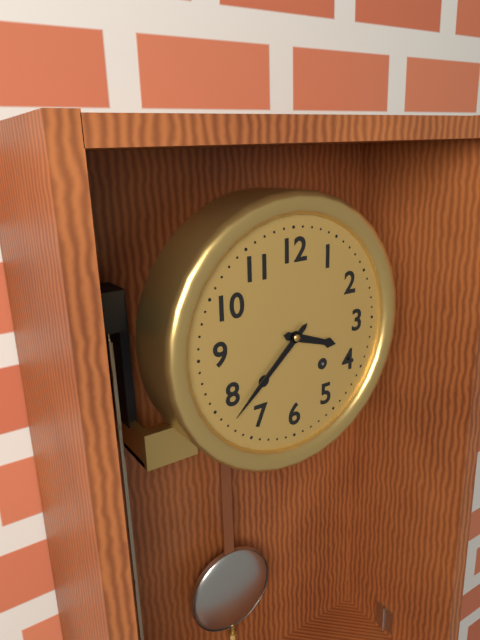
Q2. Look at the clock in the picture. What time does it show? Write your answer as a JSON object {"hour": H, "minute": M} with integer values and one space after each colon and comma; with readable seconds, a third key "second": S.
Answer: {"hour": 3, "minute": 38}
